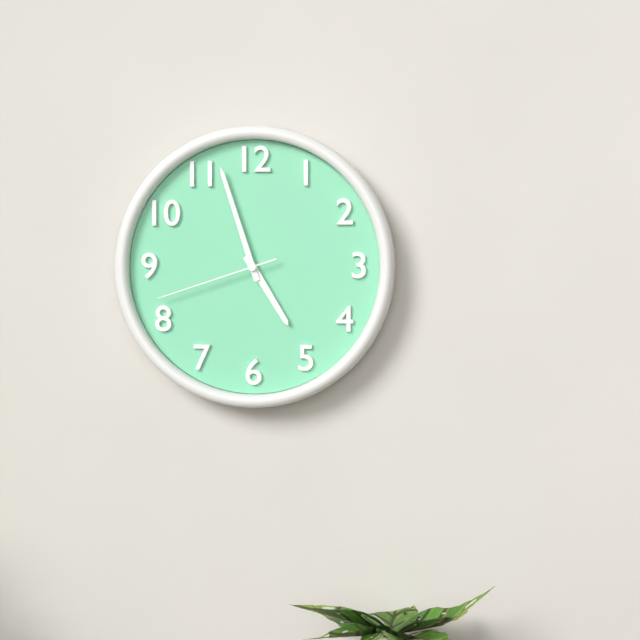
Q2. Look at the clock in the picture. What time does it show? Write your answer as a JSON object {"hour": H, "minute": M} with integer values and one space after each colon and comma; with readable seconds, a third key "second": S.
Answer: {"hour": 4, "minute": 57, "second": 42}
